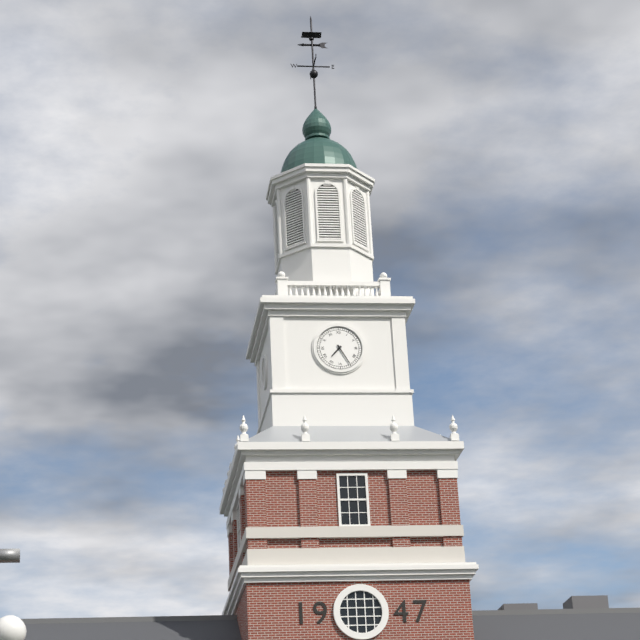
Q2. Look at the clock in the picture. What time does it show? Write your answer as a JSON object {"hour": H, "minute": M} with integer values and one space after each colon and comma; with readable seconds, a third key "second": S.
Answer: {"hour": 7, "minute": 25}
